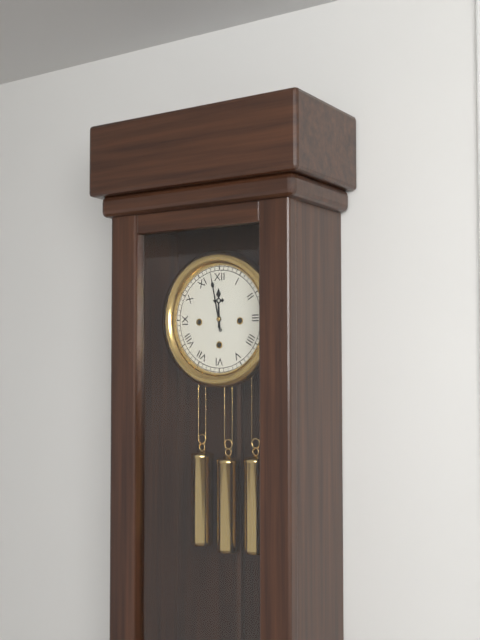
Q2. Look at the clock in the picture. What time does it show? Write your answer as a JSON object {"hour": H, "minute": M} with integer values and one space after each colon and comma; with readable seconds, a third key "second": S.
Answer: {"hour": 11, "minute": 58}
